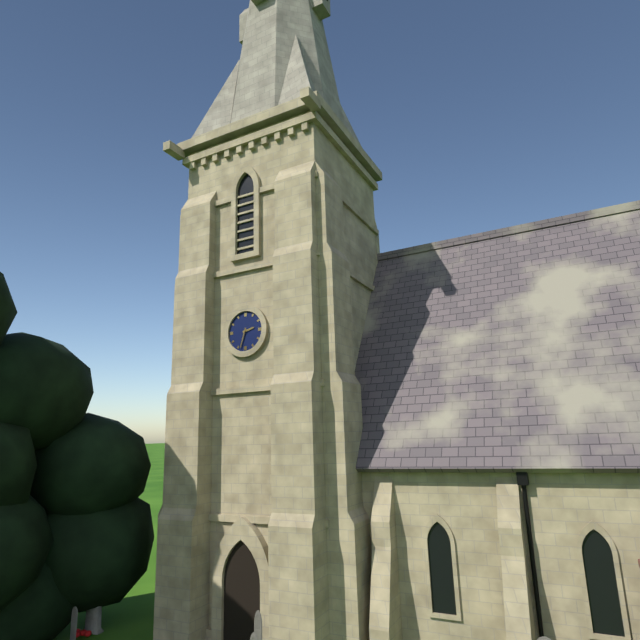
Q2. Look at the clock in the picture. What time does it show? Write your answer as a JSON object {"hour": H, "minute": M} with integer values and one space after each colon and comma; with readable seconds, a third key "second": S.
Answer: {"hour": 2, "minute": 33}
